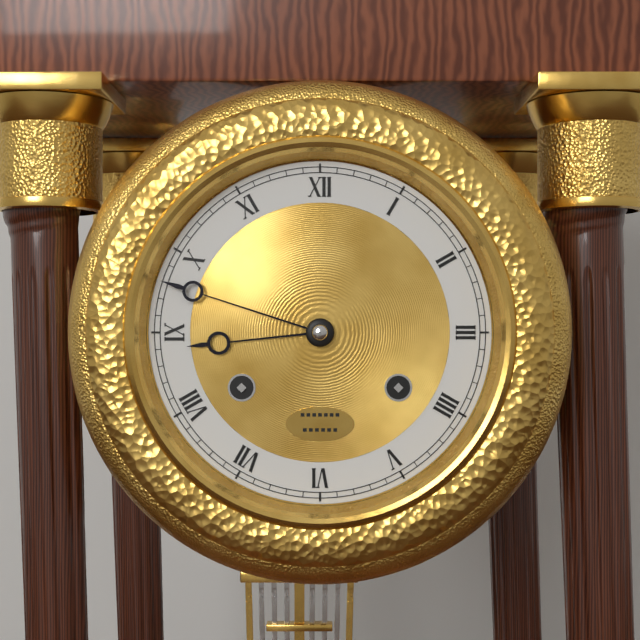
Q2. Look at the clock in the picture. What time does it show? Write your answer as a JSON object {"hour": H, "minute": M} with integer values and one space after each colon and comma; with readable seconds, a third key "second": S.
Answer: {"hour": 8, "minute": 48}
